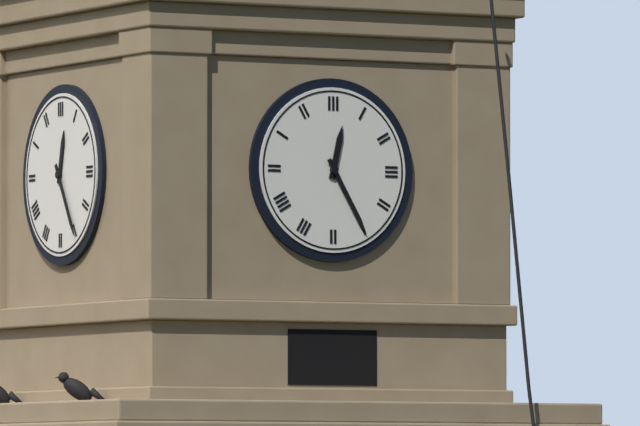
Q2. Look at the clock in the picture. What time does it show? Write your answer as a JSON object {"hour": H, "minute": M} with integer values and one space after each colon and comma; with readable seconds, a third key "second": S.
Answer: {"hour": 12, "minute": 25}
